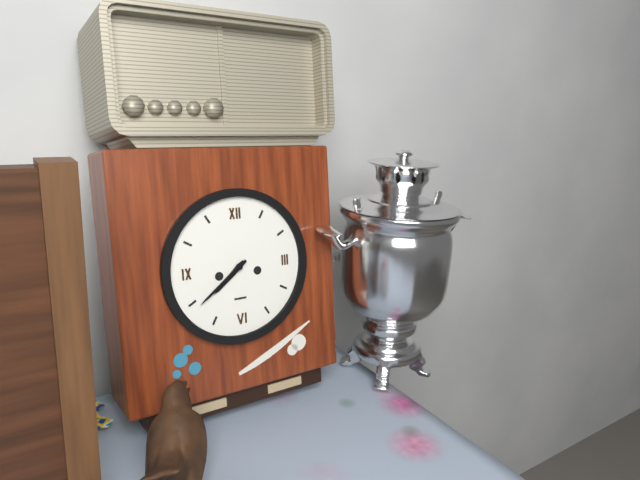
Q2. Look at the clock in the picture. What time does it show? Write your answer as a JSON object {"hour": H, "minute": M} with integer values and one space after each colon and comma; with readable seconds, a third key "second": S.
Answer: {"hour": 7, "minute": 39}
